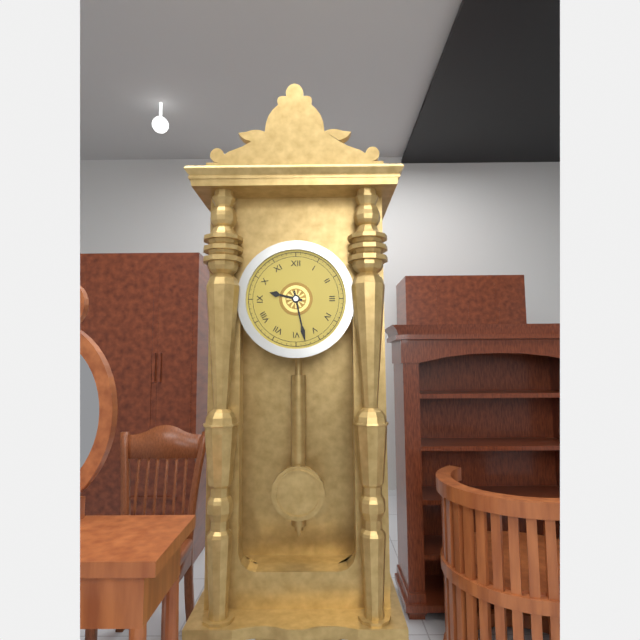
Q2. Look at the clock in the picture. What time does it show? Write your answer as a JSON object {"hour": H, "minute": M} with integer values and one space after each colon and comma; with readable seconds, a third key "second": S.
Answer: {"hour": 9, "minute": 28}
